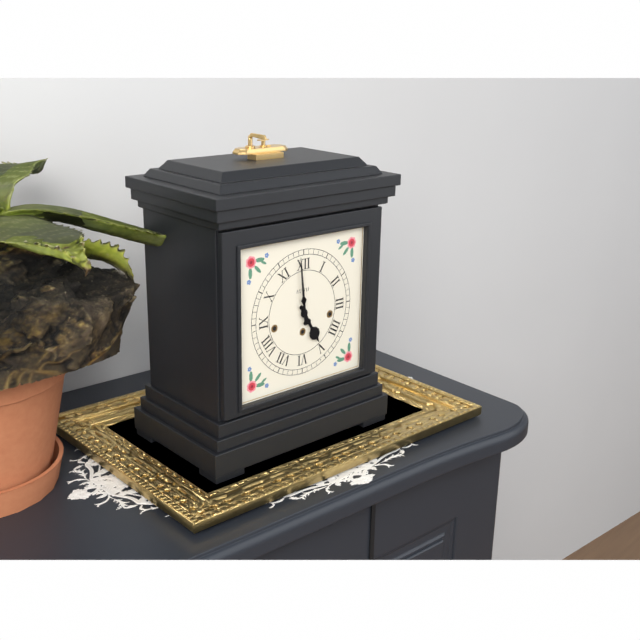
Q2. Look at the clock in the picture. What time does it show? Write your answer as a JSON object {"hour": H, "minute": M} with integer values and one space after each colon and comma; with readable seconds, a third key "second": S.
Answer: {"hour": 4, "minute": 59}
